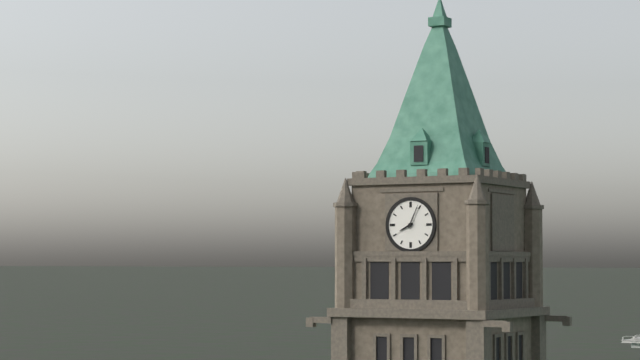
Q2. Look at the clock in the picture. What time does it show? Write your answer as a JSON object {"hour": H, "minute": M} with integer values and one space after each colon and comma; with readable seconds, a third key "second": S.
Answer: {"hour": 8, "minute": 4}
